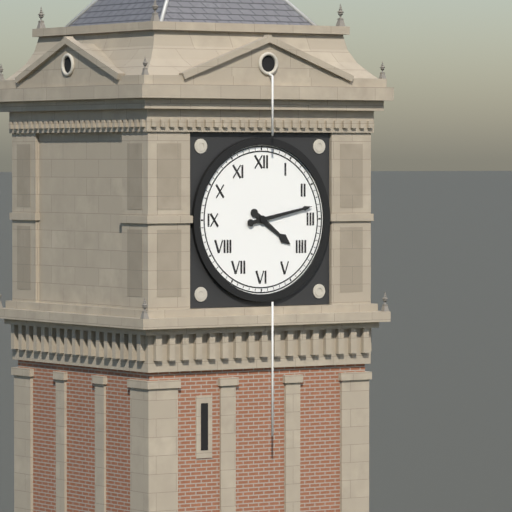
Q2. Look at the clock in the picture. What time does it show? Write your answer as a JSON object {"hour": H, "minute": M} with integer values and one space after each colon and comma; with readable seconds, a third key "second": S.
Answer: {"hour": 4, "minute": 13}
